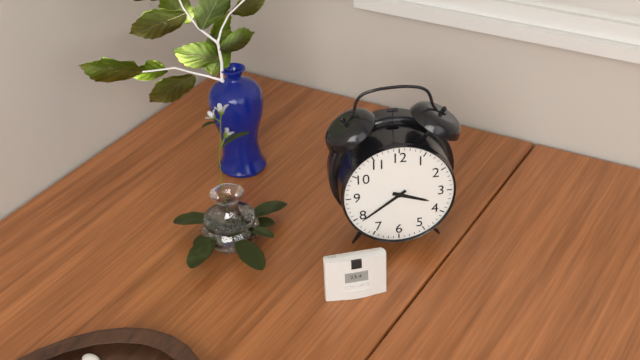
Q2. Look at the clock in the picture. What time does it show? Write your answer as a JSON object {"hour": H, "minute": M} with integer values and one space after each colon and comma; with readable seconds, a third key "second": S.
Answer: {"hour": 3, "minute": 39}
